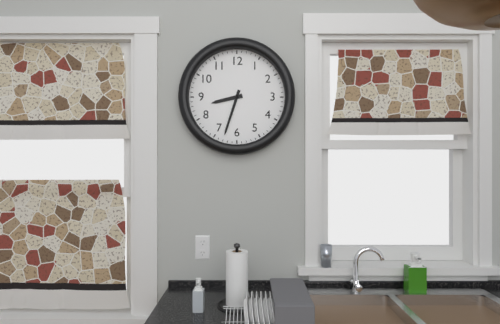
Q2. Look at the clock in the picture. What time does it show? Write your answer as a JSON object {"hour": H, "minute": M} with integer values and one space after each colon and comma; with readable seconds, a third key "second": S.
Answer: {"hour": 8, "minute": 33}
